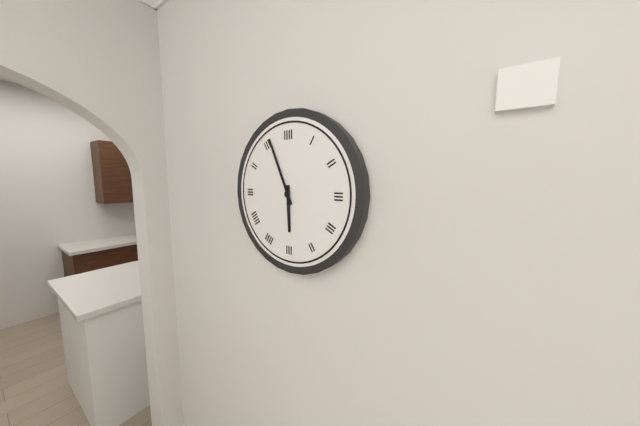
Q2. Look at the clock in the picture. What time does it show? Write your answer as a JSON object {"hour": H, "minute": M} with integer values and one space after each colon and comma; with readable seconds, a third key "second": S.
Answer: {"hour": 5, "minute": 56}
